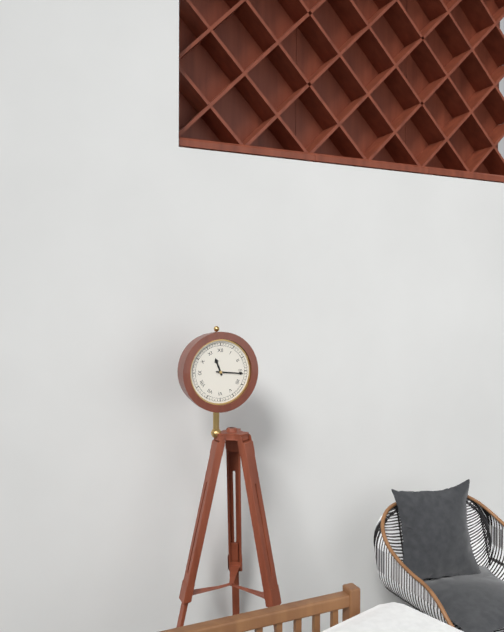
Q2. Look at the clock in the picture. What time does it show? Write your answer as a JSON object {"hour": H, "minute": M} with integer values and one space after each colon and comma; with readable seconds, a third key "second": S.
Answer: {"hour": 11, "minute": 16}
